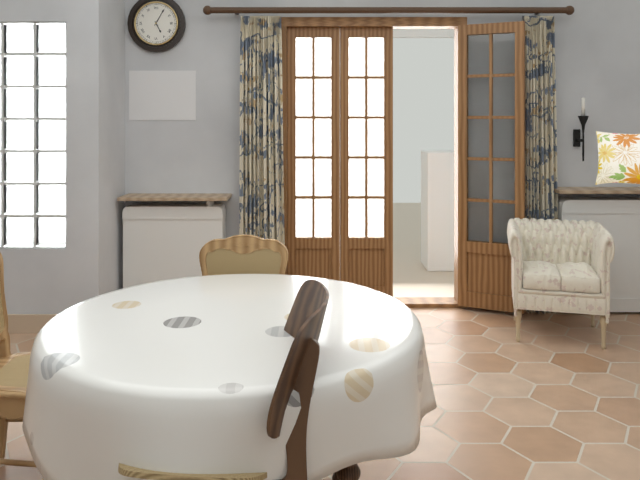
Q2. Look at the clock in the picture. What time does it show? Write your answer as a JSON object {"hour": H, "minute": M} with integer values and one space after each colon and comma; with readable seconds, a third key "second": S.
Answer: {"hour": 5, "minute": 5}
